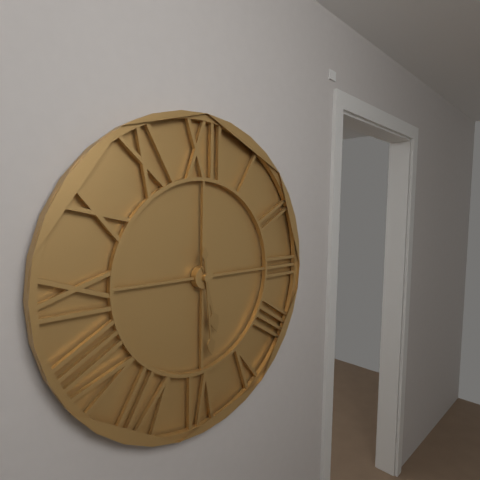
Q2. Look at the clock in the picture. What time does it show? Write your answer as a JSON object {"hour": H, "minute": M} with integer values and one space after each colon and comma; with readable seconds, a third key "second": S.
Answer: {"hour": 5, "minute": 29}
